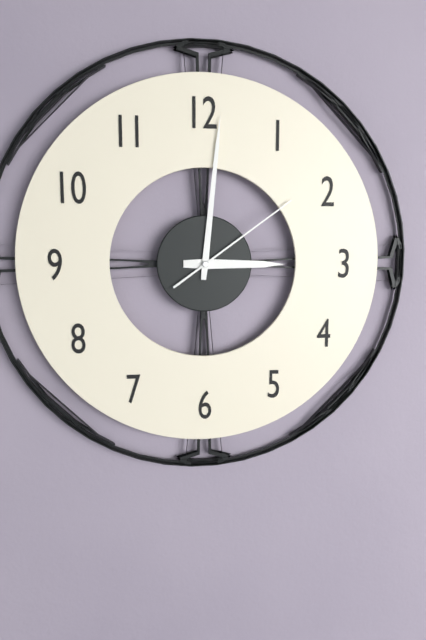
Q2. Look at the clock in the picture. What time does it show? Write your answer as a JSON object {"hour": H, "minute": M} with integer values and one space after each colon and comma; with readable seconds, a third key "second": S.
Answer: {"hour": 3, "minute": 1, "second": 9}
